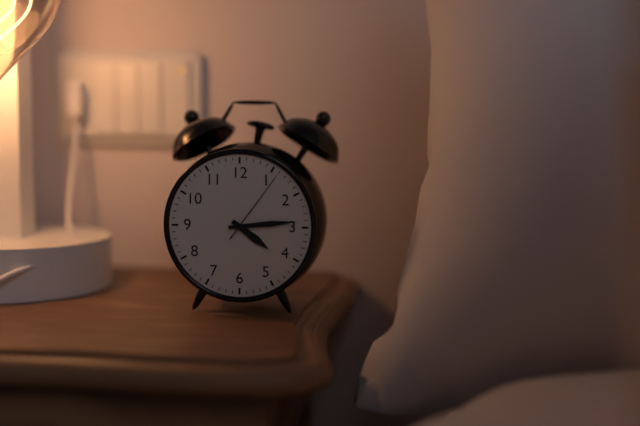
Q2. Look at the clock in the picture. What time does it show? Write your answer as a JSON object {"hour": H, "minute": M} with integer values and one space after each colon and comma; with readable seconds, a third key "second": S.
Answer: {"hour": 4, "minute": 14, "second": 6}
